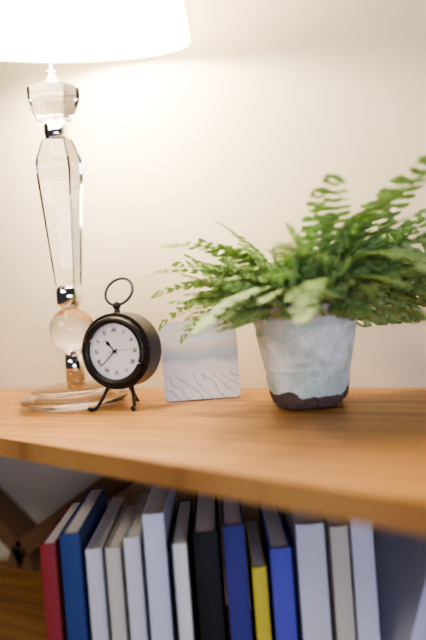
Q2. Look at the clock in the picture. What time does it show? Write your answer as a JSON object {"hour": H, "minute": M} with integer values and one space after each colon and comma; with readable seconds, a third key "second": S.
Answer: {"hour": 10, "minute": 38}
